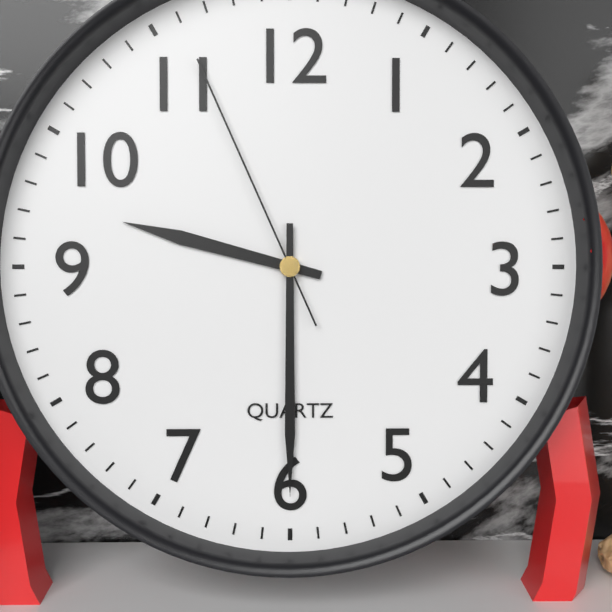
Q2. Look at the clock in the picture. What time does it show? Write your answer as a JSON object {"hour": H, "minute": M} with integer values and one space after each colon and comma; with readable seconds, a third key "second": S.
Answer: {"hour": 9, "minute": 30, "second": 56}
